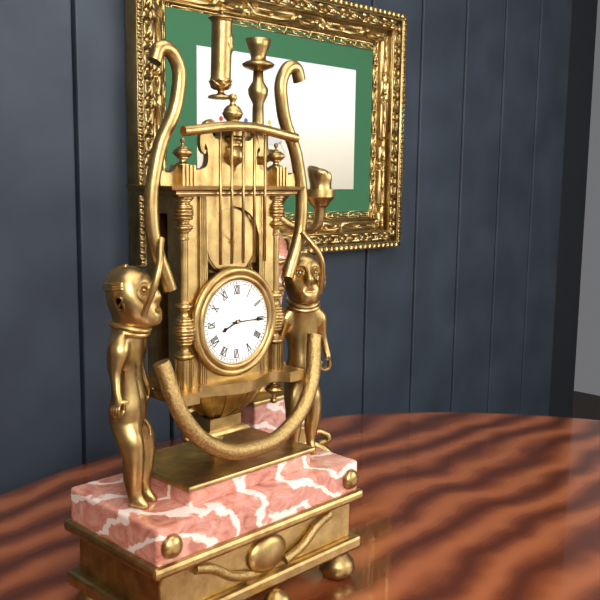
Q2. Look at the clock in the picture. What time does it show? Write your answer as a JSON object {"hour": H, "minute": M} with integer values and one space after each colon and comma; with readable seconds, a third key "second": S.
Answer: {"hour": 8, "minute": 15}
